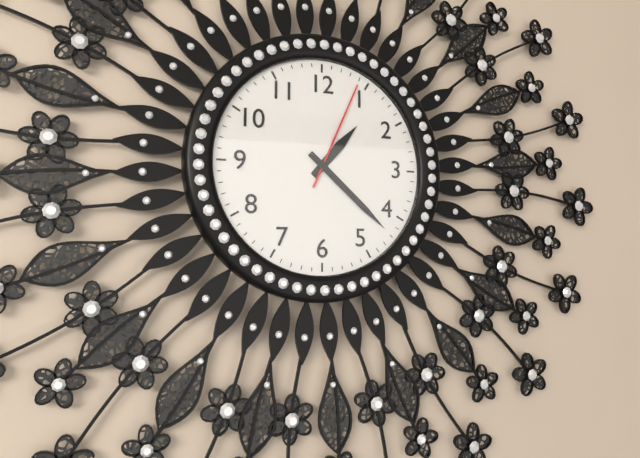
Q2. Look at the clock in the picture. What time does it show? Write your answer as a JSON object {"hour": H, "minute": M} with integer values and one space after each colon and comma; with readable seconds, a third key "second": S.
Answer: {"hour": 1, "minute": 22, "second": 4}
